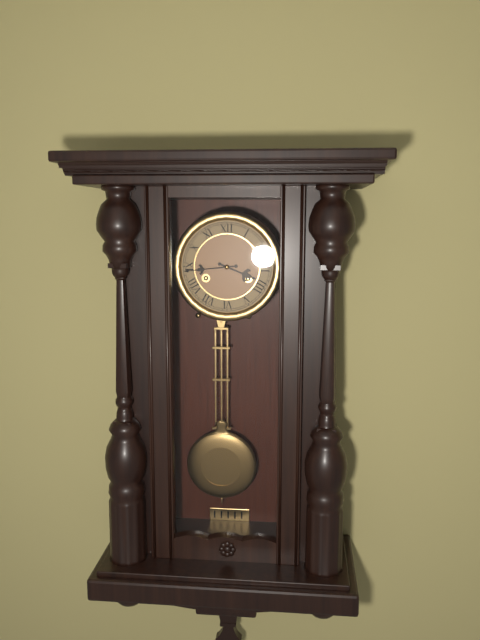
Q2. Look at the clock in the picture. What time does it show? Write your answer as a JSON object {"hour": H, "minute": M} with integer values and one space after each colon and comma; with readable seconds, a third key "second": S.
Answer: {"hour": 3, "minute": 44}
